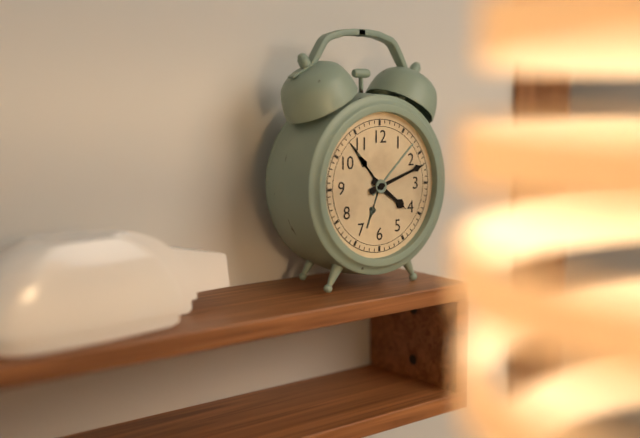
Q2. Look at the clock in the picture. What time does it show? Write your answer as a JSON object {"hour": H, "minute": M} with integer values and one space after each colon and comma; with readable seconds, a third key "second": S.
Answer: {"hour": 4, "minute": 12}
